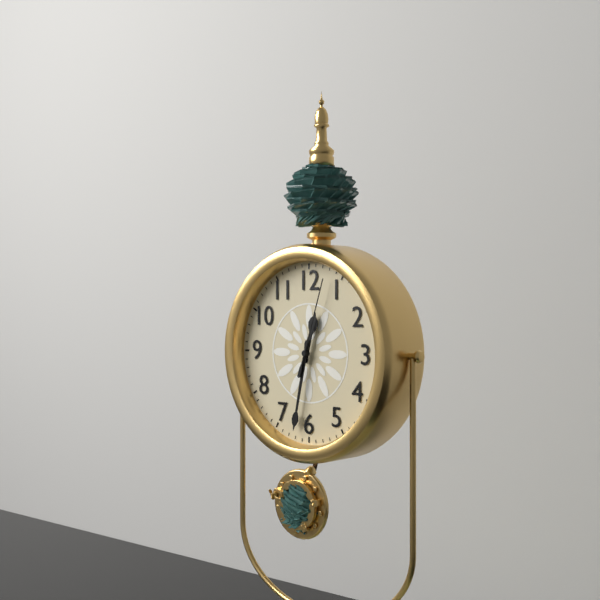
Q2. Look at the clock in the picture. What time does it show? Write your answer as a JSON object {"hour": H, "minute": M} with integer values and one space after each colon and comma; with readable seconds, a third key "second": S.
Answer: {"hour": 12, "minute": 32, "second": 3}
